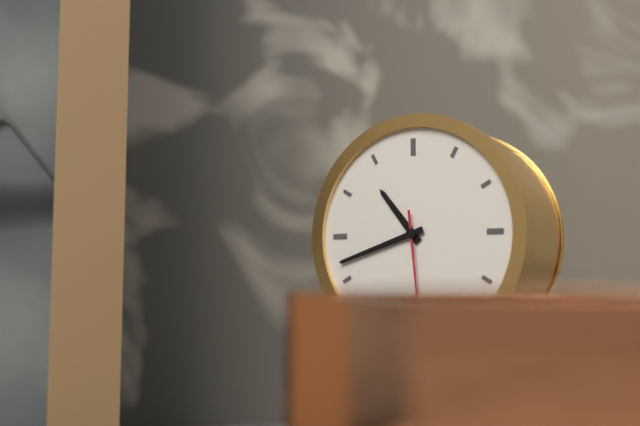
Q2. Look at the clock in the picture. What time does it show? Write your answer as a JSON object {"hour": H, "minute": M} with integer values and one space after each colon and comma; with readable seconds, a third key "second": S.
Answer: {"hour": 10, "minute": 42}
